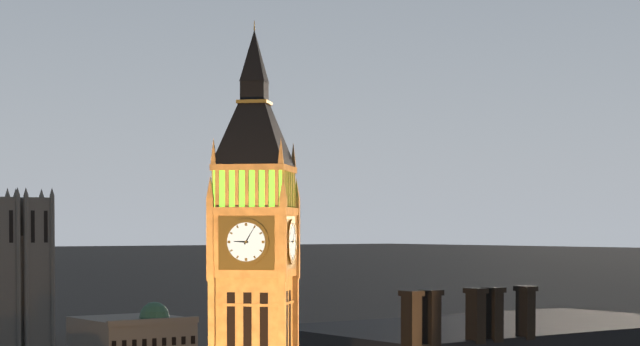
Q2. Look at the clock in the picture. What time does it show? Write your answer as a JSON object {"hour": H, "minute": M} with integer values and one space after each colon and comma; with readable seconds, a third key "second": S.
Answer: {"hour": 9, "minute": 5}
